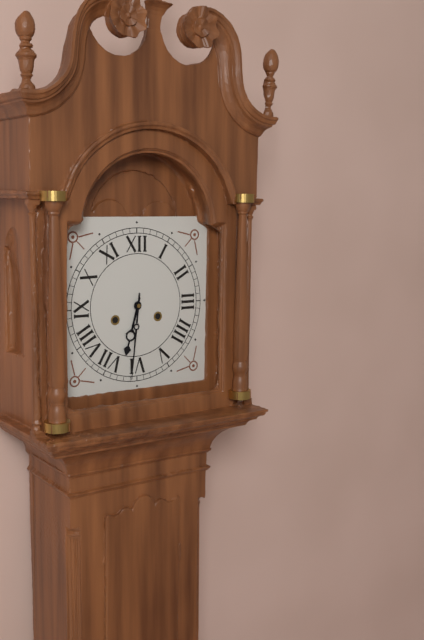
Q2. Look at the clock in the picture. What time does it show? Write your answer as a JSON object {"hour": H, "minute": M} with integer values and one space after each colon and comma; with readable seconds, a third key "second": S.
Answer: {"hour": 6, "minute": 31}
